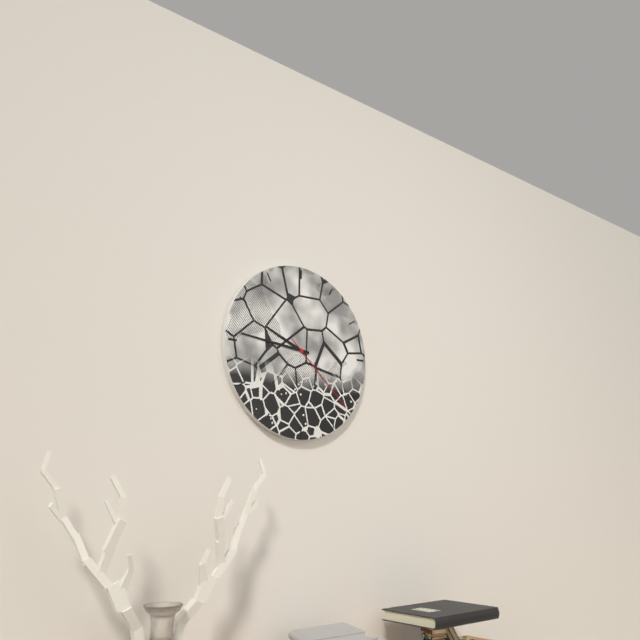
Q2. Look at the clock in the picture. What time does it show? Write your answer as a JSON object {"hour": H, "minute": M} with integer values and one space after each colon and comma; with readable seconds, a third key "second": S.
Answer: {"hour": 9, "minute": 46, "second": 22}
